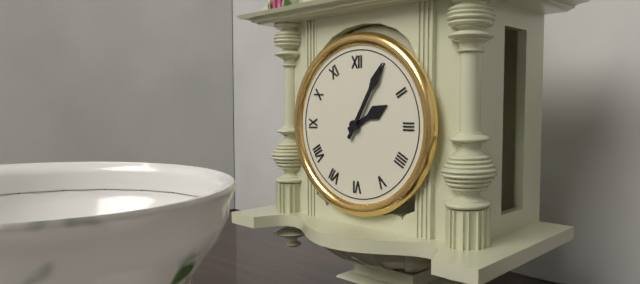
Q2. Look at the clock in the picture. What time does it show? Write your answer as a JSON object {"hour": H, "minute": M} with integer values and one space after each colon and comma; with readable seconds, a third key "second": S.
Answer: {"hour": 2, "minute": 5}
